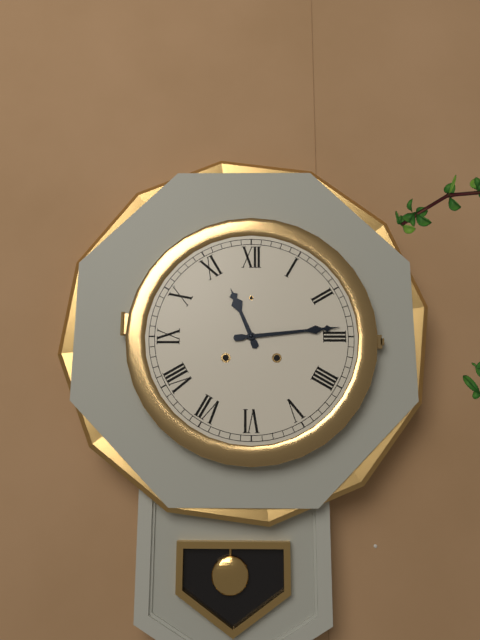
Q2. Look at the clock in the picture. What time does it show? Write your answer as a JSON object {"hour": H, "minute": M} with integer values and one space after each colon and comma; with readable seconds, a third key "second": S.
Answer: {"hour": 11, "minute": 14}
